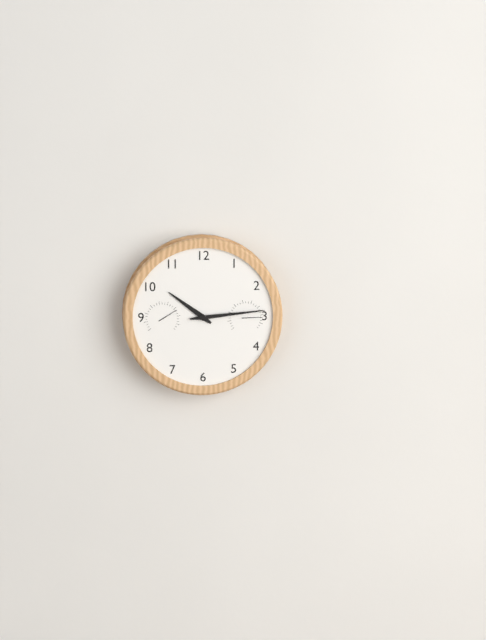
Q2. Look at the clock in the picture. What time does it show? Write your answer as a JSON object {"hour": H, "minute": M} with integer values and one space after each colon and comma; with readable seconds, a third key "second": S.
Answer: {"hour": 10, "minute": 14}
